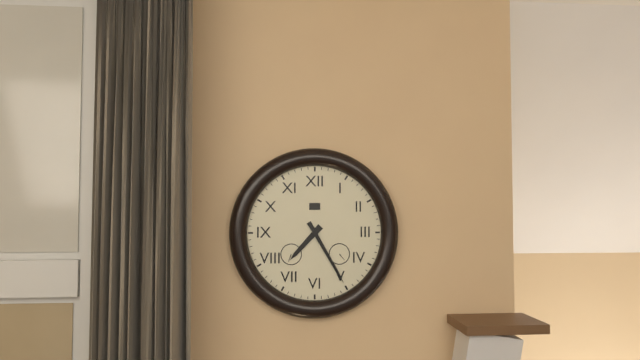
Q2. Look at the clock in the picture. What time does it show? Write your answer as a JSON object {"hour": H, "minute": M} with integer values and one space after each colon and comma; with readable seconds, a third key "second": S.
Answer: {"hour": 7, "minute": 25}
